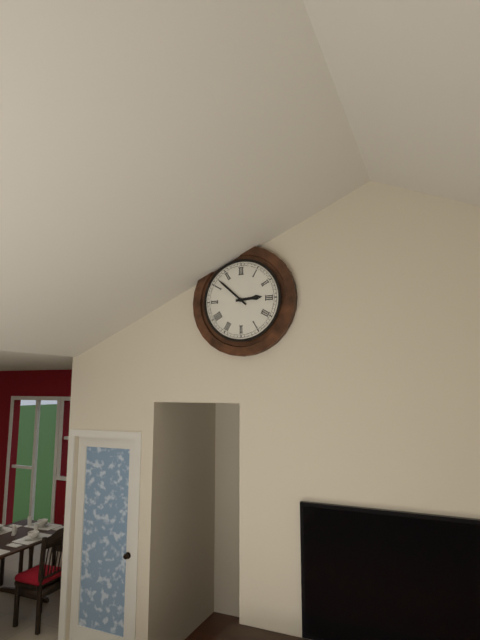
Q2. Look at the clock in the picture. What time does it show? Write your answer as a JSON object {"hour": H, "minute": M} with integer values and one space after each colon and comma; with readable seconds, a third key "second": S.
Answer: {"hour": 2, "minute": 52}
